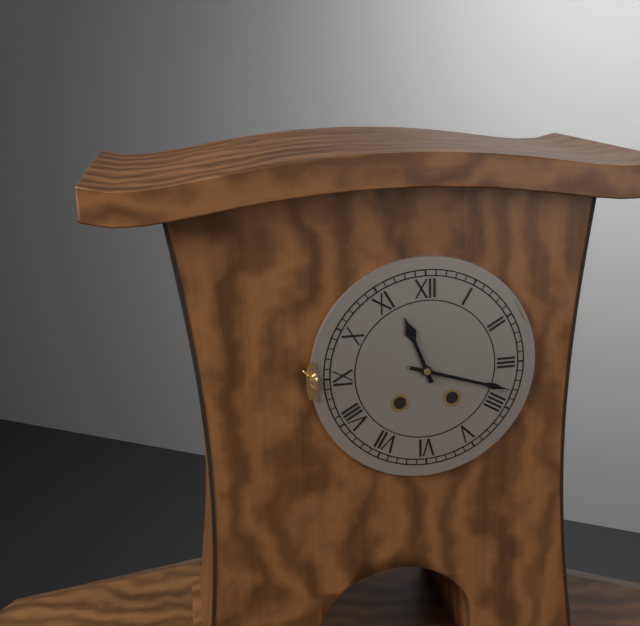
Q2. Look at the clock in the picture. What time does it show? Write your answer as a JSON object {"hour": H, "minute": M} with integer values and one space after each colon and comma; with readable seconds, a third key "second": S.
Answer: {"hour": 11, "minute": 18}
